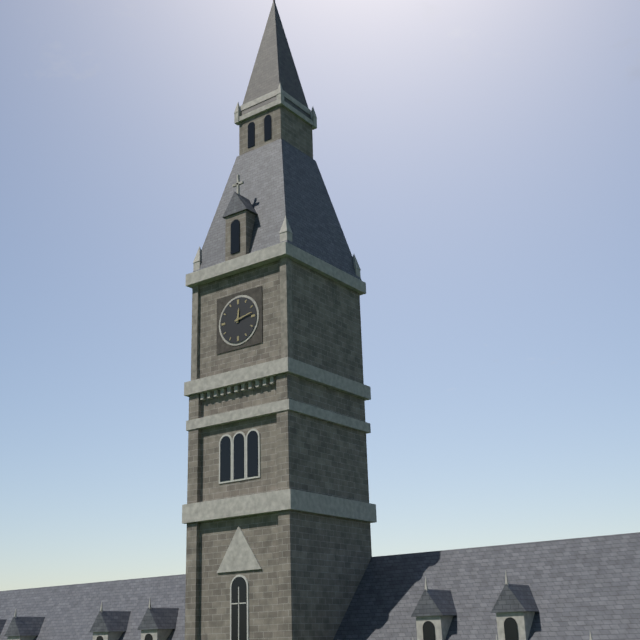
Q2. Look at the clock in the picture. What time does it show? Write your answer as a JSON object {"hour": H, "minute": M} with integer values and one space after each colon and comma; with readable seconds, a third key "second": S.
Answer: {"hour": 12, "minute": 13}
